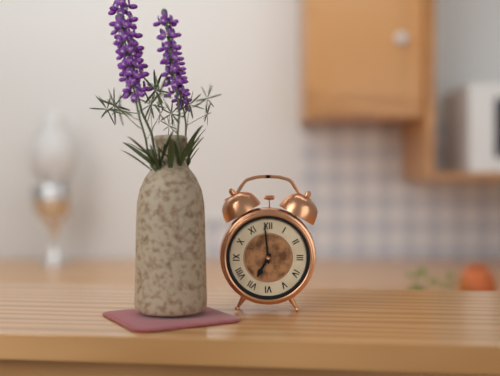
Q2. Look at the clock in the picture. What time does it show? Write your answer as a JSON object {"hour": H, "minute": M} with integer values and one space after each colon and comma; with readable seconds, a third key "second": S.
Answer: {"hour": 6, "minute": 59}
